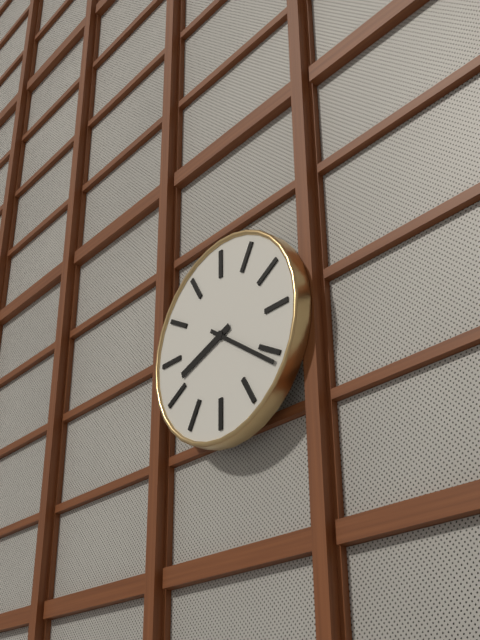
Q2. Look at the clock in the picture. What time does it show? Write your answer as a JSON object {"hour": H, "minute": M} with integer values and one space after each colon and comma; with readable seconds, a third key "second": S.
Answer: {"hour": 8, "minute": 21}
